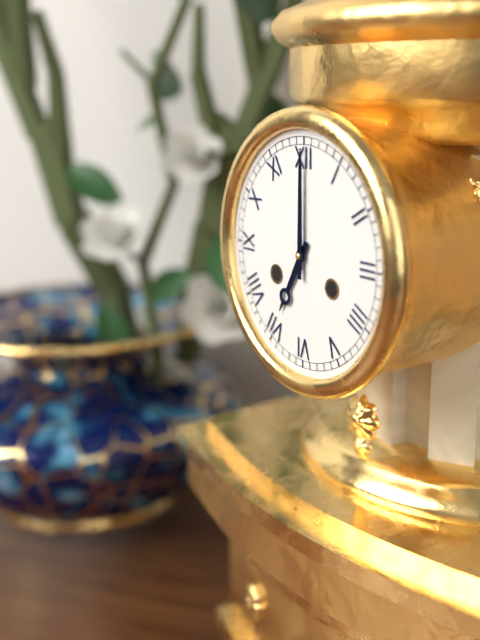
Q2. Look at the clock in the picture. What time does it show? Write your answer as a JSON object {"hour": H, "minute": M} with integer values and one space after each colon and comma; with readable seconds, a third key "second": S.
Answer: {"hour": 7, "minute": 0}
